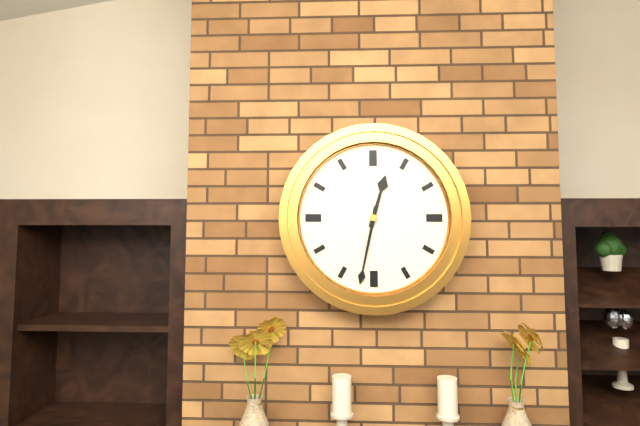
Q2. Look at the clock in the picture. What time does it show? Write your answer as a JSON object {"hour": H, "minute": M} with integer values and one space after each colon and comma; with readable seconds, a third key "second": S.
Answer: {"hour": 12, "minute": 32}
